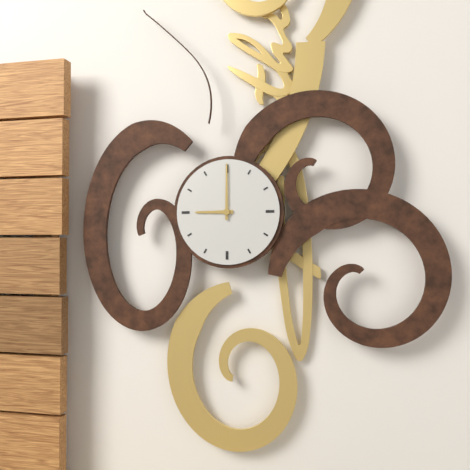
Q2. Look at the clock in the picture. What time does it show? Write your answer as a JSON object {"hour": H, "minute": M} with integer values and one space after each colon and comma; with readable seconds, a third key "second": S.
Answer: {"hour": 9, "minute": 0}
